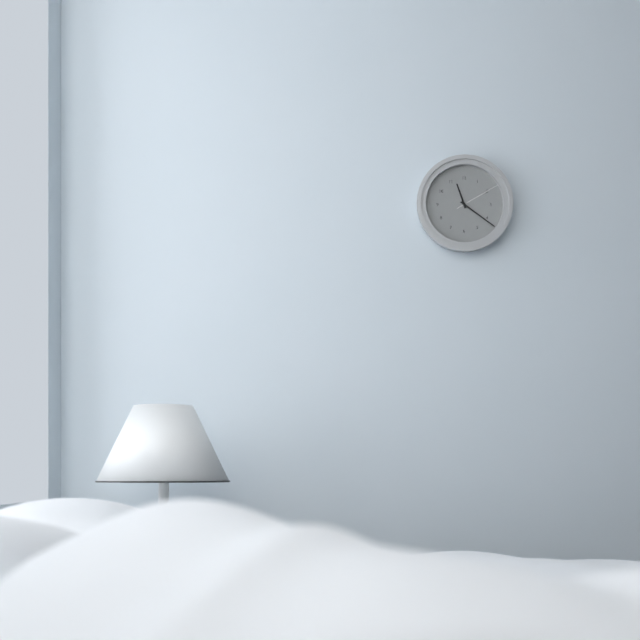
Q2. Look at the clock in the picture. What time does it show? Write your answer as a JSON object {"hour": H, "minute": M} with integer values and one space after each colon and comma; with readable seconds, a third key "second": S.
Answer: {"hour": 11, "minute": 21}
